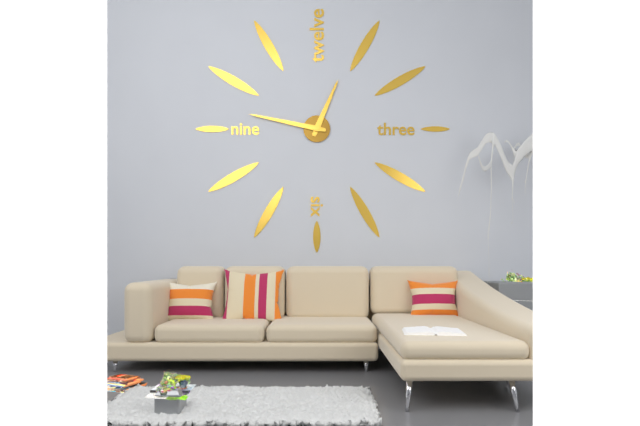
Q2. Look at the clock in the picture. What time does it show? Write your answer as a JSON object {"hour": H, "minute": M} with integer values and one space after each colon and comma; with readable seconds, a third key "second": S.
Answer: {"hour": 12, "minute": 47}
